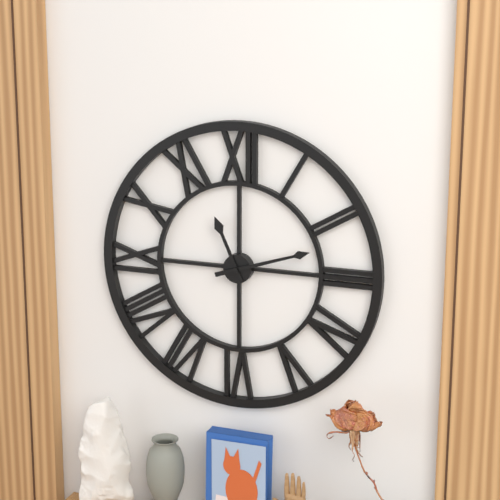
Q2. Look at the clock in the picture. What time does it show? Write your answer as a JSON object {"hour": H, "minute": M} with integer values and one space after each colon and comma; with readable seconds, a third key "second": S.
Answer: {"hour": 11, "minute": 12}
